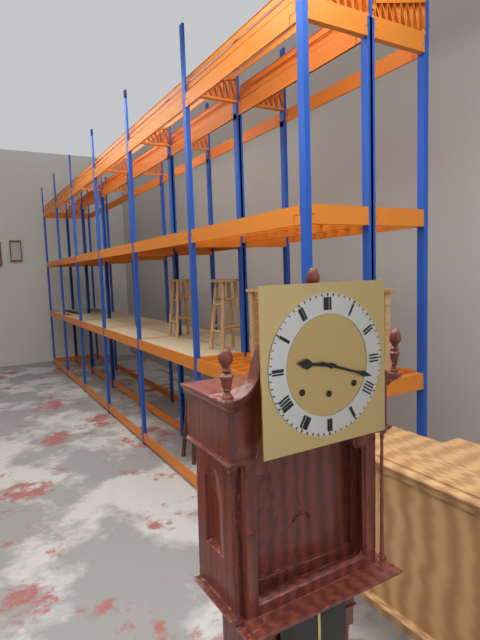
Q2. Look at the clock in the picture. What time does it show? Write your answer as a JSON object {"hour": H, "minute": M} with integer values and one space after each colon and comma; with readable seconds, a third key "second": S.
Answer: {"hour": 9, "minute": 18}
